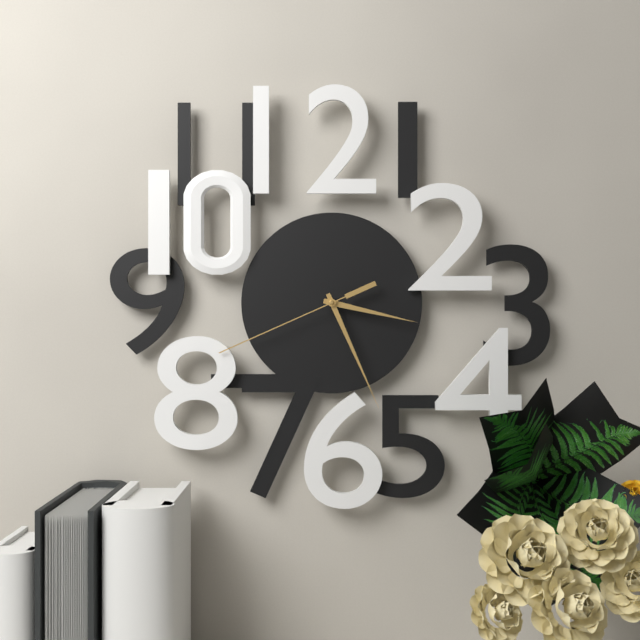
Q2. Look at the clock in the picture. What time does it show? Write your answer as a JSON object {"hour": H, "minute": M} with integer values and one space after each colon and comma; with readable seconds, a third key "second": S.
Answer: {"hour": 3, "minute": 26, "second": 41}
